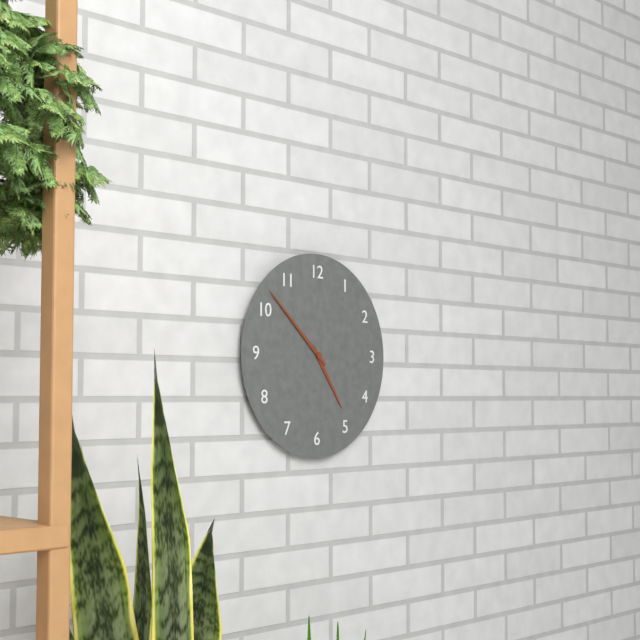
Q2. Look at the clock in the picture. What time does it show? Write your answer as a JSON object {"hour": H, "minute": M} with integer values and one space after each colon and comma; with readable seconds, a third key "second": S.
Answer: {"hour": 4, "minute": 52}
